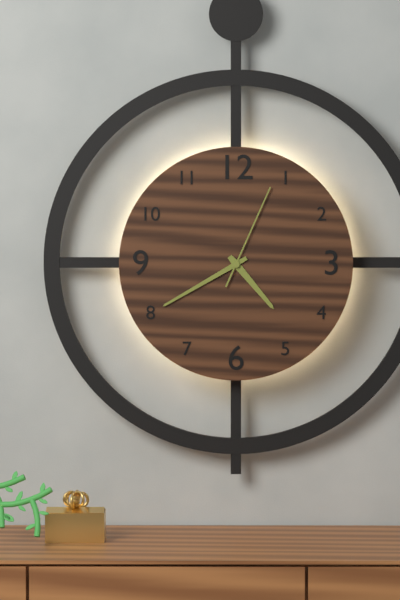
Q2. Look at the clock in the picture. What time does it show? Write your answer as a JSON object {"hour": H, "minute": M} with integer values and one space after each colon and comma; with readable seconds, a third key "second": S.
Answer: {"hour": 4, "minute": 40, "second": 4}
